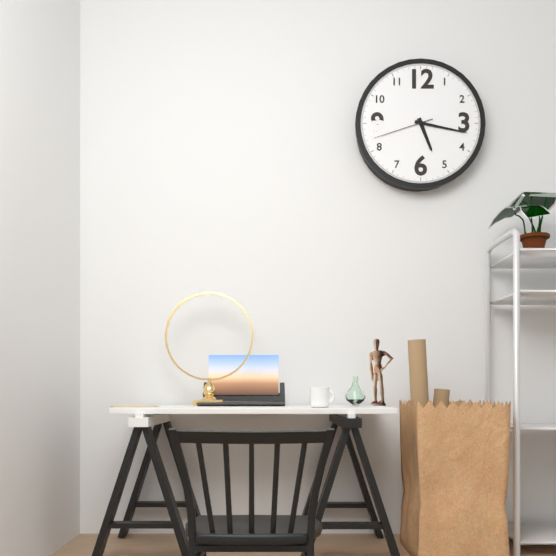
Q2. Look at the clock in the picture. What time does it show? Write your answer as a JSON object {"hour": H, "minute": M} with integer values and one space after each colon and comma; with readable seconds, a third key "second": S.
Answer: {"hour": 5, "minute": 17, "second": 42}
